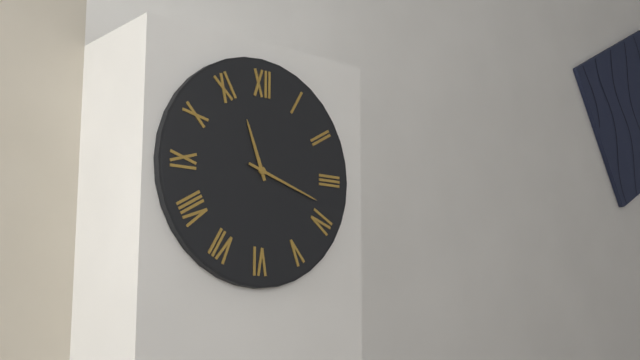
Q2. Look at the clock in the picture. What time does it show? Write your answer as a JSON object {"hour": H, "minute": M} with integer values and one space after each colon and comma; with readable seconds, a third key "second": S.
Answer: {"hour": 11, "minute": 18}
